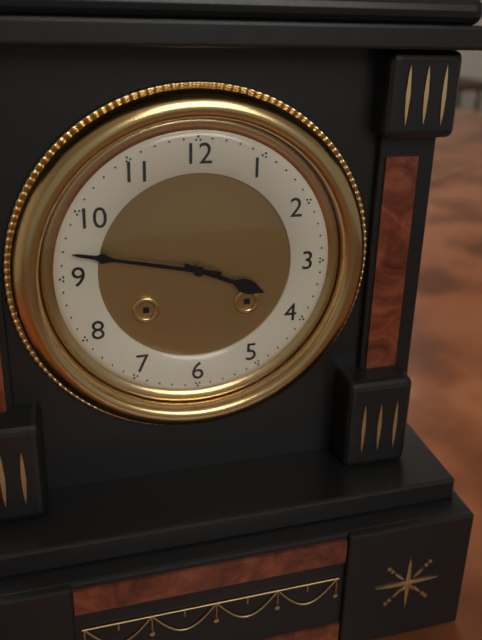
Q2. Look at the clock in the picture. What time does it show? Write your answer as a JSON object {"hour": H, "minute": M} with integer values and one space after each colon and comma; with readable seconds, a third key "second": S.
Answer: {"hour": 3, "minute": 47}
